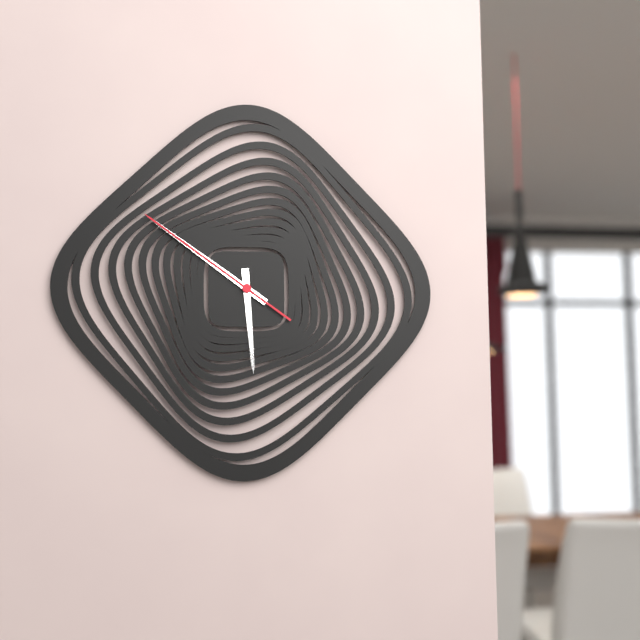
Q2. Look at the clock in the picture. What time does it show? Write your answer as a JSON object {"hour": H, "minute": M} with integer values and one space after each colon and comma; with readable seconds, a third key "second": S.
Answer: {"hour": 5, "minute": 51, "second": 51}
